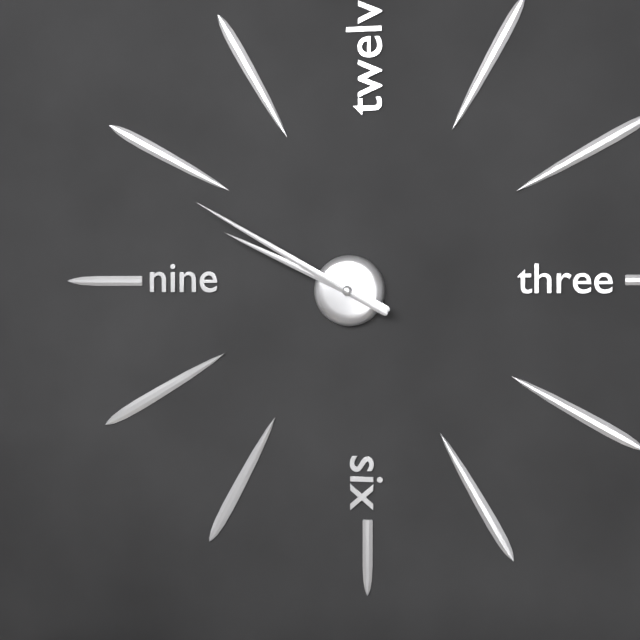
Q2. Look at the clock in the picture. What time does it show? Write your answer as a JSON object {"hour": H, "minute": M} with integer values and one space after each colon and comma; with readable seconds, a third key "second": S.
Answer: {"hour": 9, "minute": 50}
